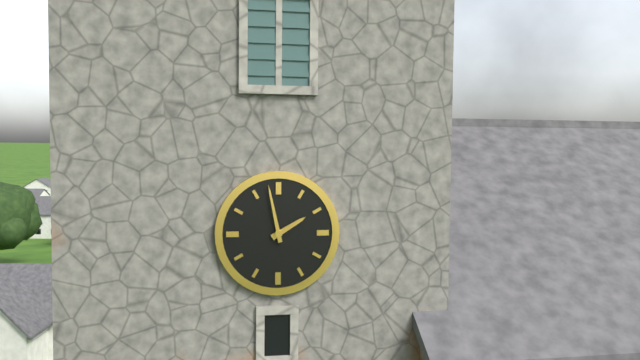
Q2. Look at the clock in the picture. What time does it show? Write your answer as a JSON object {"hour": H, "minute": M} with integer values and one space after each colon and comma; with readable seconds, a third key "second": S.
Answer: {"hour": 1, "minute": 58}
